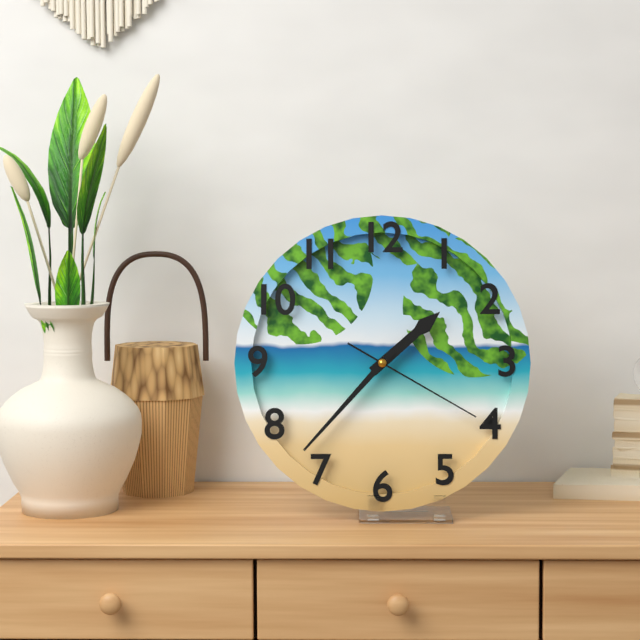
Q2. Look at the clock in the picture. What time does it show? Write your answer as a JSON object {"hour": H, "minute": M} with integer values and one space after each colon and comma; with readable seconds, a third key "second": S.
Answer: {"hour": 1, "minute": 37, "second": 20}
